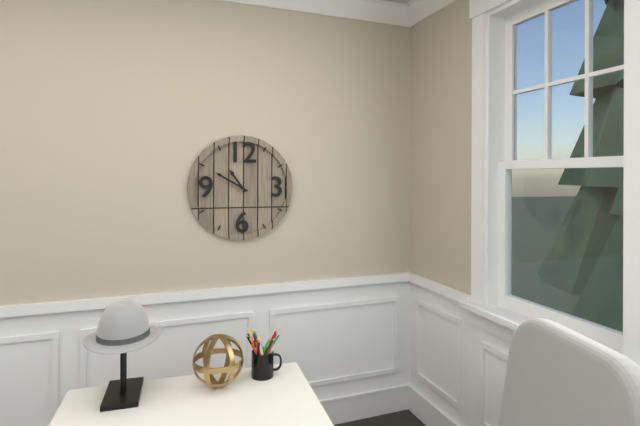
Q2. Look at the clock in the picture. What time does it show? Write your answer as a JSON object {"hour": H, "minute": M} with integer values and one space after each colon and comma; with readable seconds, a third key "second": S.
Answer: {"hour": 10, "minute": 50}
